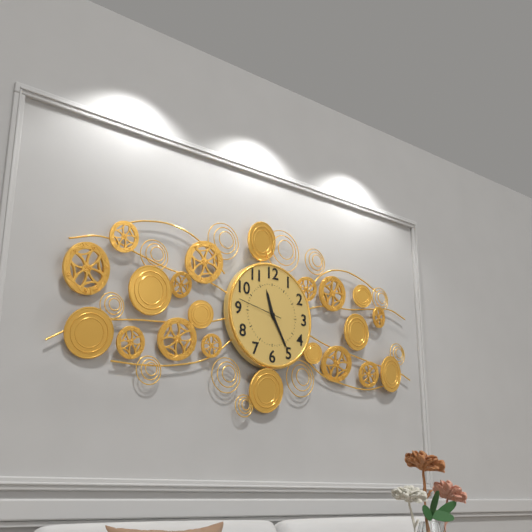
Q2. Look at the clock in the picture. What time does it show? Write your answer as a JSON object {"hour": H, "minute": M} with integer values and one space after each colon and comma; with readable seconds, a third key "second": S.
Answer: {"hour": 11, "minute": 25}
